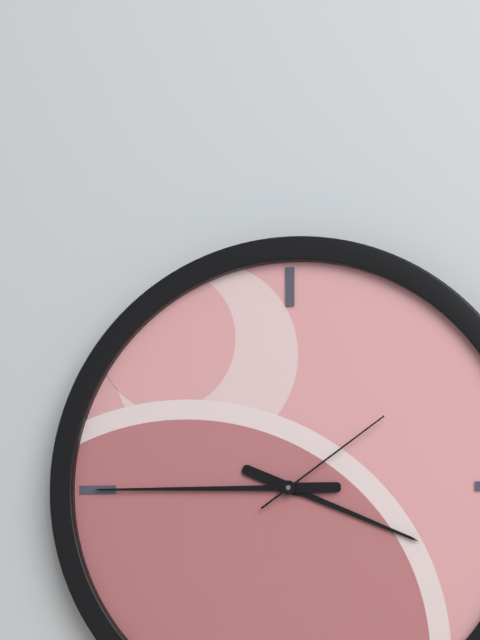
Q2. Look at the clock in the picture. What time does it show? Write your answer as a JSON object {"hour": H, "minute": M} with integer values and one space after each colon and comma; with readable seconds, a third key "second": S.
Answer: {"hour": 3, "minute": 45, "second": 9}
